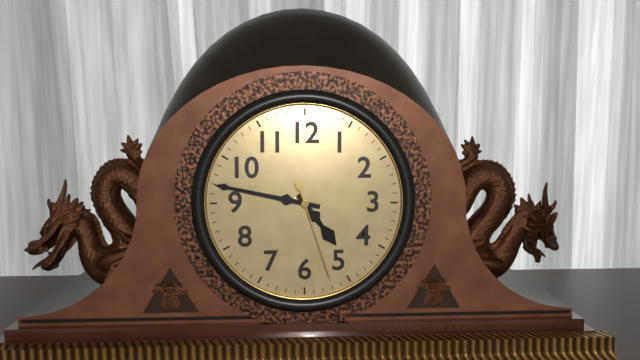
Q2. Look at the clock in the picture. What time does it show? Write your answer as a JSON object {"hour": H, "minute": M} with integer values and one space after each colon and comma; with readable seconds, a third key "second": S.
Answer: {"hour": 4, "minute": 47, "second": 27}
